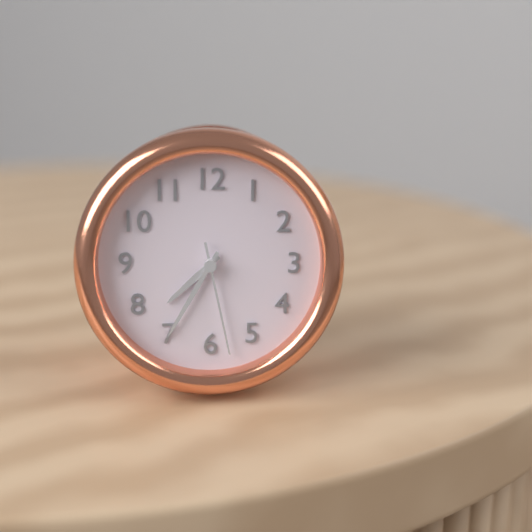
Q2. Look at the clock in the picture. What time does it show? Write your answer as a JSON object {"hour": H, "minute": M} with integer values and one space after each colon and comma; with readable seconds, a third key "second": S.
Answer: {"hour": 7, "minute": 35, "second": 28}
